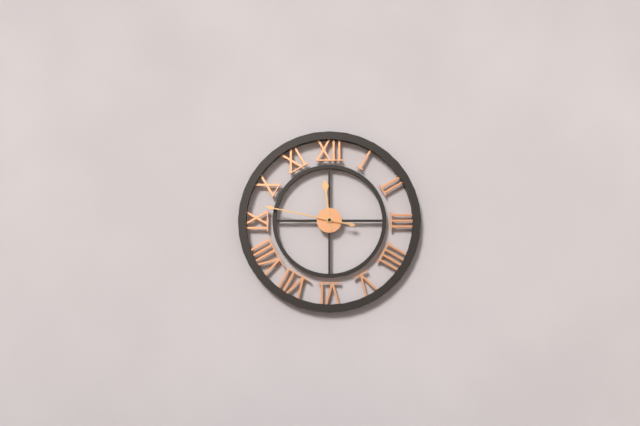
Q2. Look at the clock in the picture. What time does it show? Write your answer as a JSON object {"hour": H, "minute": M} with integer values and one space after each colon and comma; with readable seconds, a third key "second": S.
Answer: {"hour": 11, "minute": 47}
